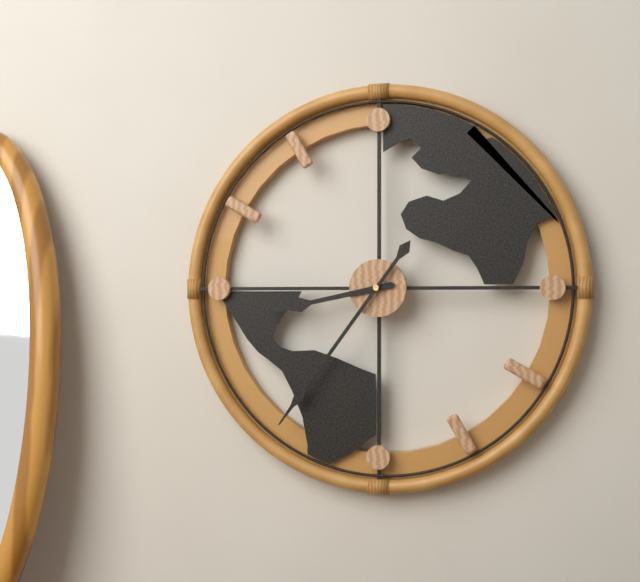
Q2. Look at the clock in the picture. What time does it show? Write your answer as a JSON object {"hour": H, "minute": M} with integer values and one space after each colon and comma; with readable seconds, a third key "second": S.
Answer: {"hour": 8, "minute": 36}
